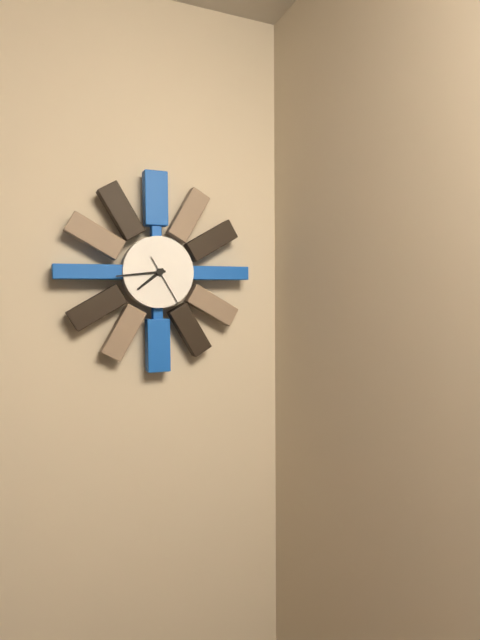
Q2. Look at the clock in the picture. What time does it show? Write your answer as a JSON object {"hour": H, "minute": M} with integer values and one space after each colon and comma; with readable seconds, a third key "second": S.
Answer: {"hour": 7, "minute": 44}
